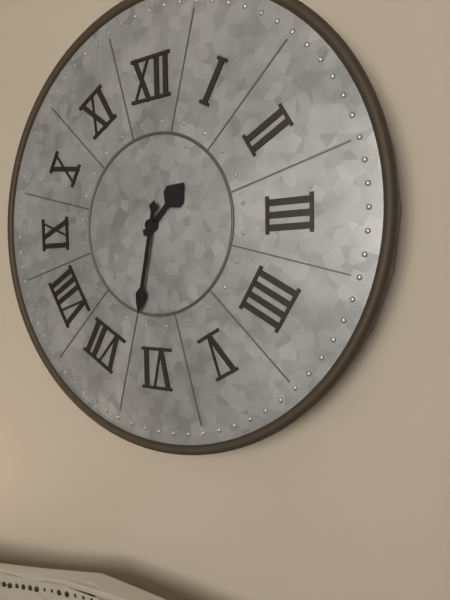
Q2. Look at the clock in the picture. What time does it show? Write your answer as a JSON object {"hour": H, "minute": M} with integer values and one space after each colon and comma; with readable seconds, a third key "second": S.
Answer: {"hour": 1, "minute": 32}
